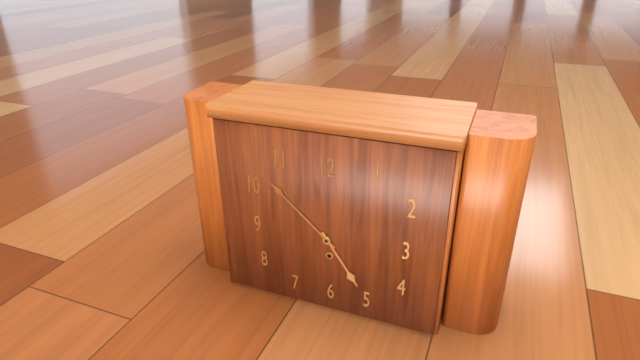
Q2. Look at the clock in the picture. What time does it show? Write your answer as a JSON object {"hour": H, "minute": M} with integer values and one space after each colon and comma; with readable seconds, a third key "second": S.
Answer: {"hour": 4, "minute": 52}
